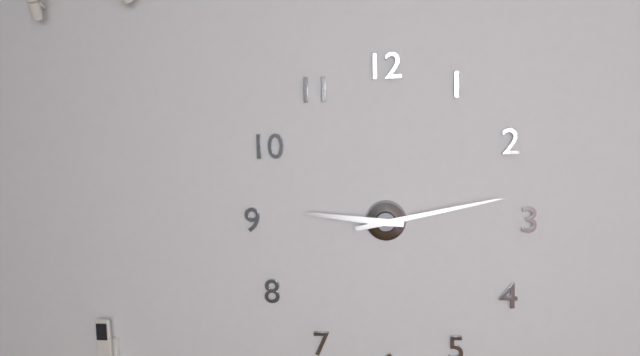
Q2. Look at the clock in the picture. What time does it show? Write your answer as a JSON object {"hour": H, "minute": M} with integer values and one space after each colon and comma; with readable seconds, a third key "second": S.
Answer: {"hour": 9, "minute": 13}
